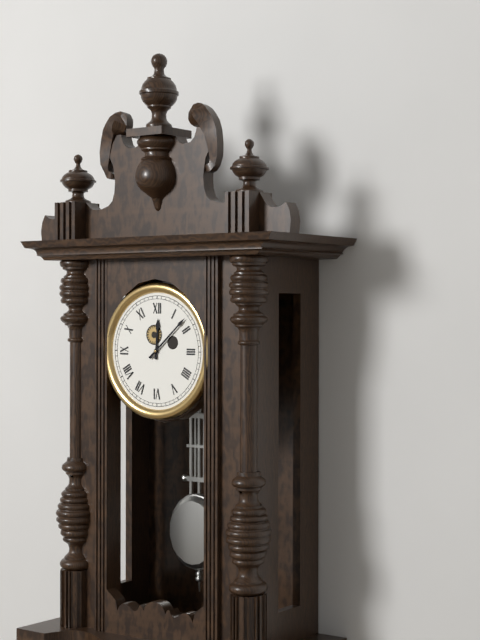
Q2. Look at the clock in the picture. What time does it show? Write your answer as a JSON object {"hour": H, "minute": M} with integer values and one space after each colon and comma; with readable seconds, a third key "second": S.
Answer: {"hour": 12, "minute": 8}
